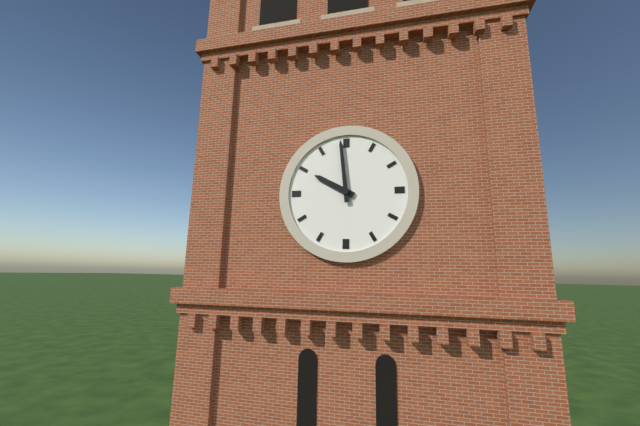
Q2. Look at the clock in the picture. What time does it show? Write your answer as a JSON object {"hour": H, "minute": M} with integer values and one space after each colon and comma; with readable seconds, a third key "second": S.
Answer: {"hour": 9, "minute": 59}
